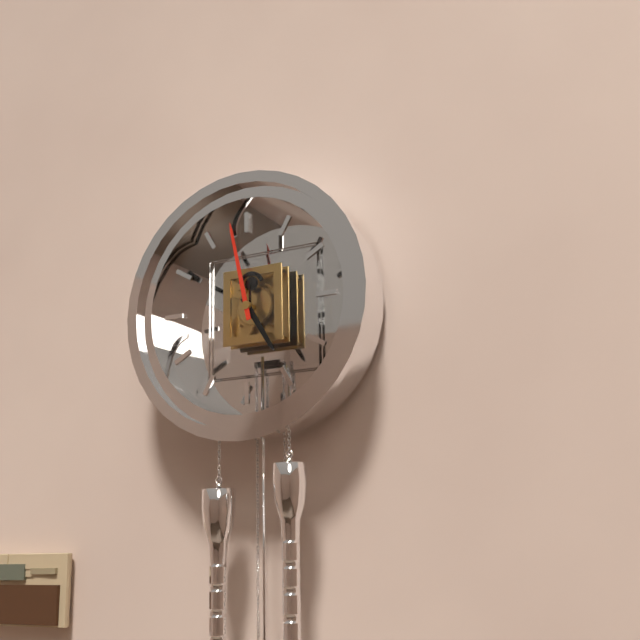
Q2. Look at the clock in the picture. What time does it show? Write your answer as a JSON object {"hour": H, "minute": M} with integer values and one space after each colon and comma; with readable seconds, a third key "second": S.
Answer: {"hour": 4, "minute": 58}
